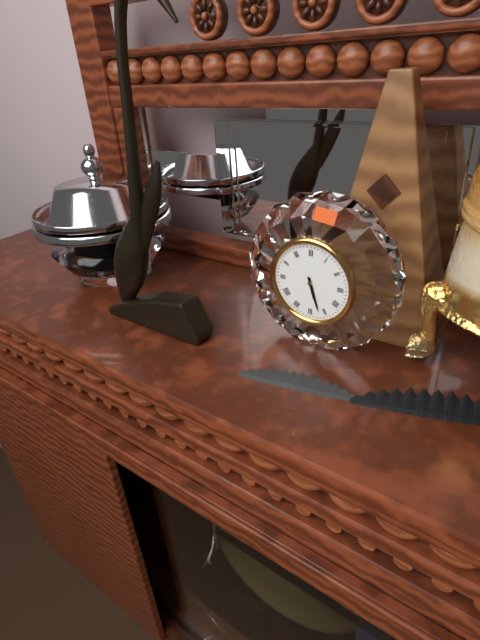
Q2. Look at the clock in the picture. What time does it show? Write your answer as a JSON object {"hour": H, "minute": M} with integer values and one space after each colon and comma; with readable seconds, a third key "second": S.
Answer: {"hour": 5, "minute": 27}
